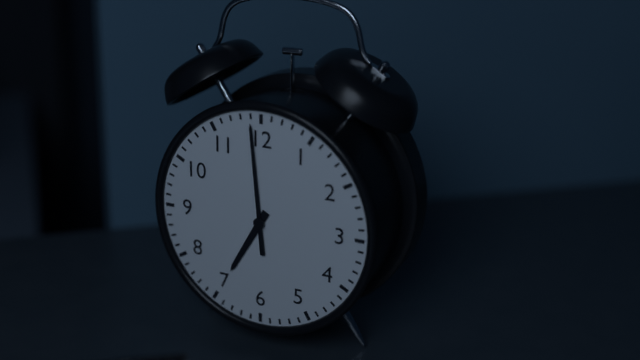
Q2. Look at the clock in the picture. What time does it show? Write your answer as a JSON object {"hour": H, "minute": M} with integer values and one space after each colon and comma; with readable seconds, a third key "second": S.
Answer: {"hour": 6, "minute": 59}
